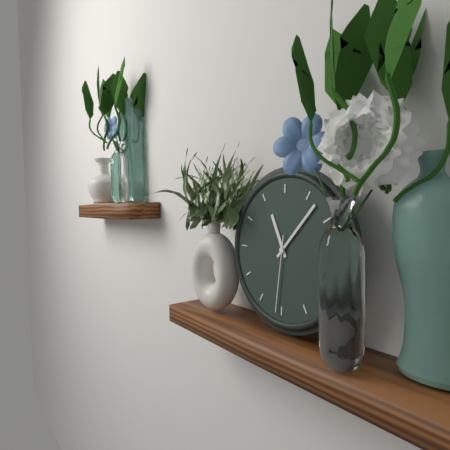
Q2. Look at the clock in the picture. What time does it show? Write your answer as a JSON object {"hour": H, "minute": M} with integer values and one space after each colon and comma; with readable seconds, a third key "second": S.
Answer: {"hour": 11, "minute": 7, "second": 31}
